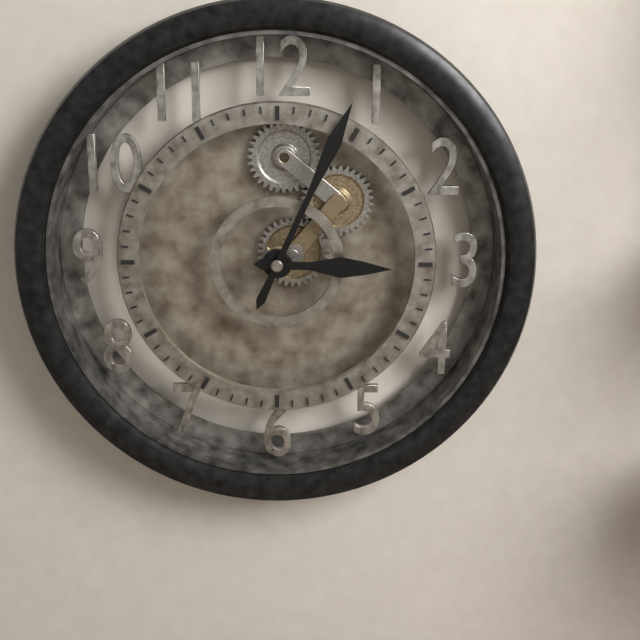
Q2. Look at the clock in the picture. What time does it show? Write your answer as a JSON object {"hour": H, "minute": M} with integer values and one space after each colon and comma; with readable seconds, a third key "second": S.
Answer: {"hour": 3, "minute": 4}
